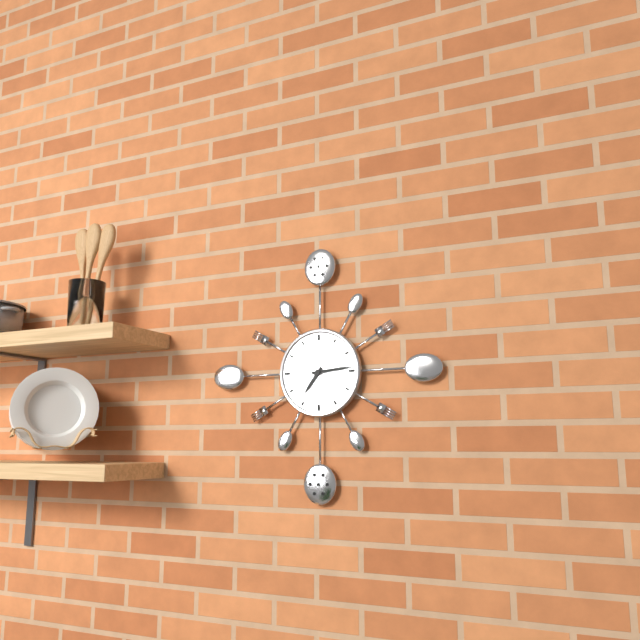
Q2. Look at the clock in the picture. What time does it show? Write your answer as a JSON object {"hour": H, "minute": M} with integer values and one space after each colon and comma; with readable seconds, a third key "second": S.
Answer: {"hour": 7, "minute": 14}
